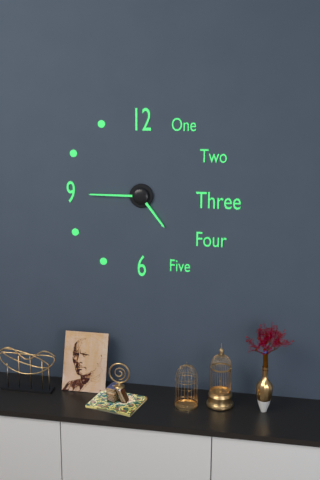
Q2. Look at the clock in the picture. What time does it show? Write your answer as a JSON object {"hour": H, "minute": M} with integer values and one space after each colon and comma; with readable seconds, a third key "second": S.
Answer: {"hour": 4, "minute": 45}
